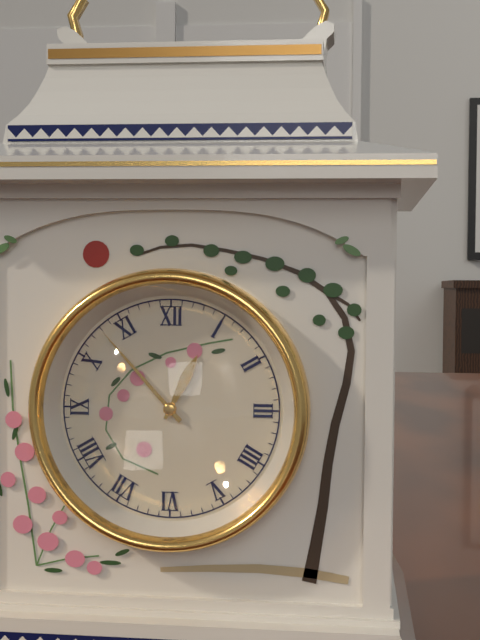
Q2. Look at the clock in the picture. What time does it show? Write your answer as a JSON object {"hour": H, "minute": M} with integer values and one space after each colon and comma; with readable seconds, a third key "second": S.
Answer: {"hour": 12, "minute": 53}
